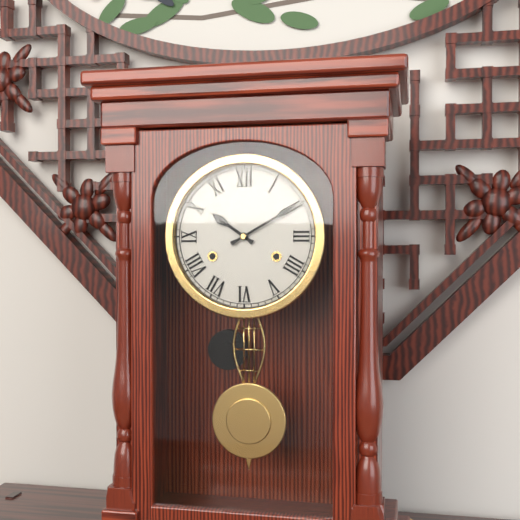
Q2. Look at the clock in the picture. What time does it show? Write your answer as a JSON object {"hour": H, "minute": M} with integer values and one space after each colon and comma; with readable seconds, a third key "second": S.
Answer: {"hour": 10, "minute": 10}
